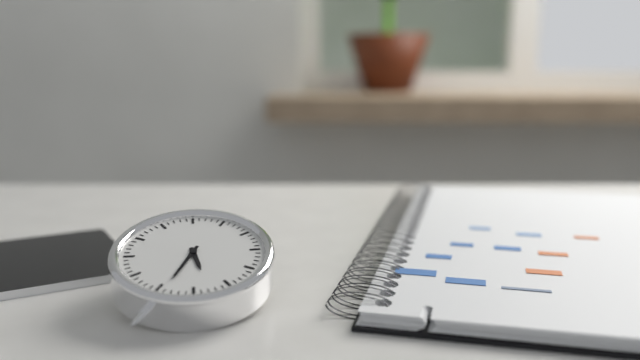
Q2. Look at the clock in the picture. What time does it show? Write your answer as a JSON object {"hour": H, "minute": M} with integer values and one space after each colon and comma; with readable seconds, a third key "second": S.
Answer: {"hour": 5, "minute": 34}
